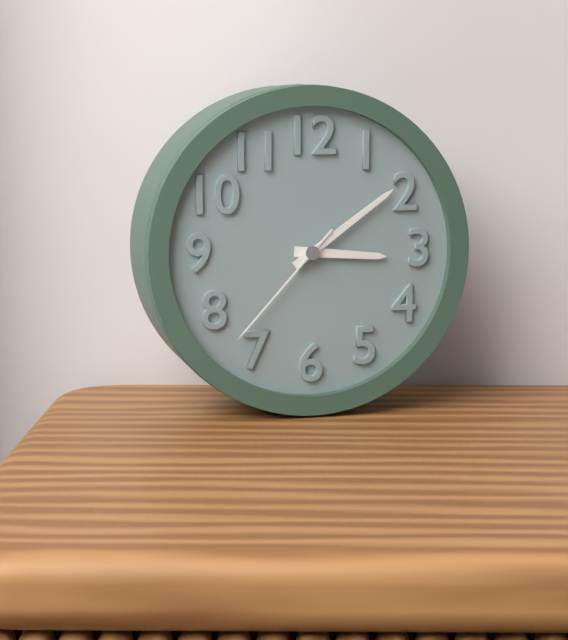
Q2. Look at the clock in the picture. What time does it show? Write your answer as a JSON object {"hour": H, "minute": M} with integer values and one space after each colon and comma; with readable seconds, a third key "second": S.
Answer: {"hour": 3, "minute": 9, "second": 37}
